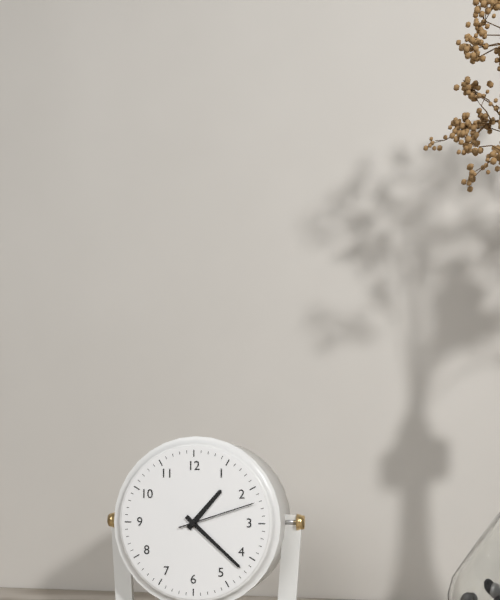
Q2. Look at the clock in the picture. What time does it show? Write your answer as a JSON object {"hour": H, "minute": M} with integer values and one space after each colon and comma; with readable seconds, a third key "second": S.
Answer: {"hour": 1, "minute": 22, "second": 12}
